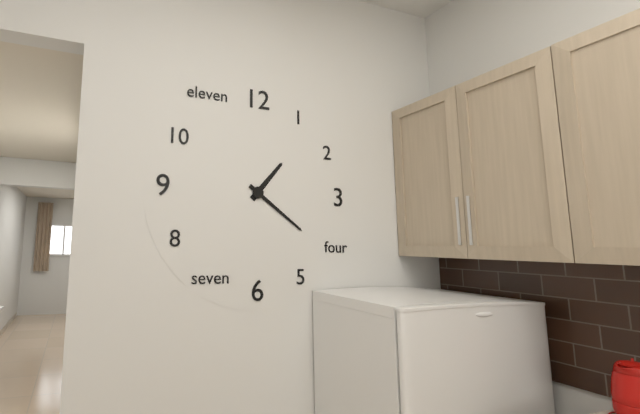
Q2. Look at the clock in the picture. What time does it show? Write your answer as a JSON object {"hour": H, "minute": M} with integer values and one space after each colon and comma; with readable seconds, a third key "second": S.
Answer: {"hour": 1, "minute": 21}
